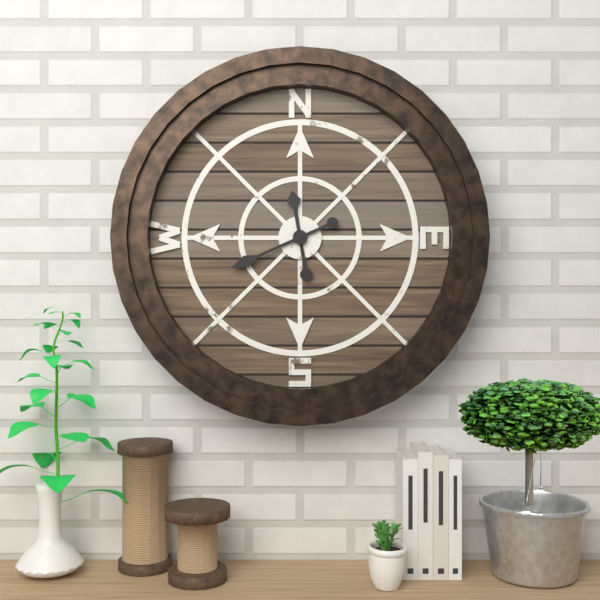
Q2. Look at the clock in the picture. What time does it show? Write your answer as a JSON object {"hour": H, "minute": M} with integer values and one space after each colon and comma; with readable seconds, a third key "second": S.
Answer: {"hour": 11, "minute": 41}
